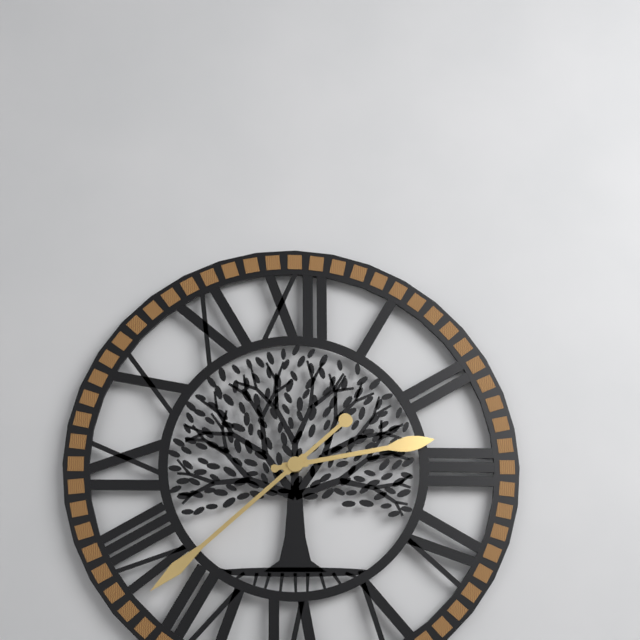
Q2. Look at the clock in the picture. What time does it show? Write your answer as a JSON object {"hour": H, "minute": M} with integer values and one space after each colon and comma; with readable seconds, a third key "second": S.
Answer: {"hour": 2, "minute": 38}
